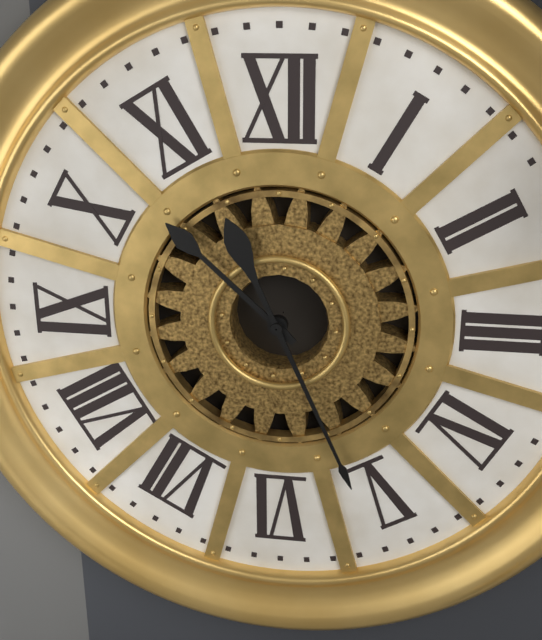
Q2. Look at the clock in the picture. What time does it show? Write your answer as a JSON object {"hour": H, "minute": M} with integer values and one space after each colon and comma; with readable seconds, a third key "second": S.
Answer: {"hour": 10, "minute": 26}
